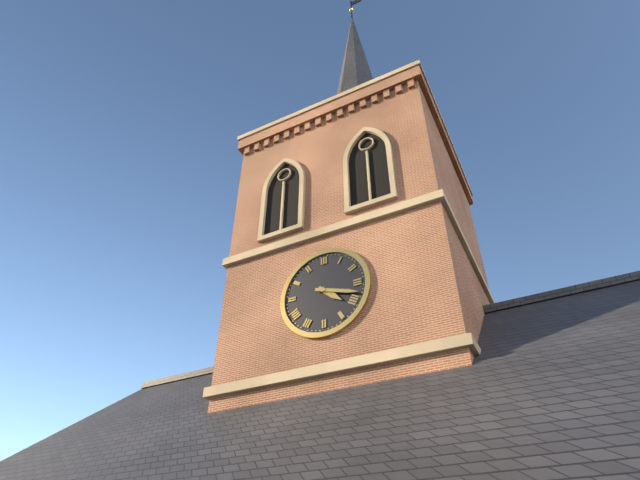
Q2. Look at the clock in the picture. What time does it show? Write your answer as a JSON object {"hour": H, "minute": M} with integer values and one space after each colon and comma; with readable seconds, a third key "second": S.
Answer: {"hour": 4, "minute": 18}
